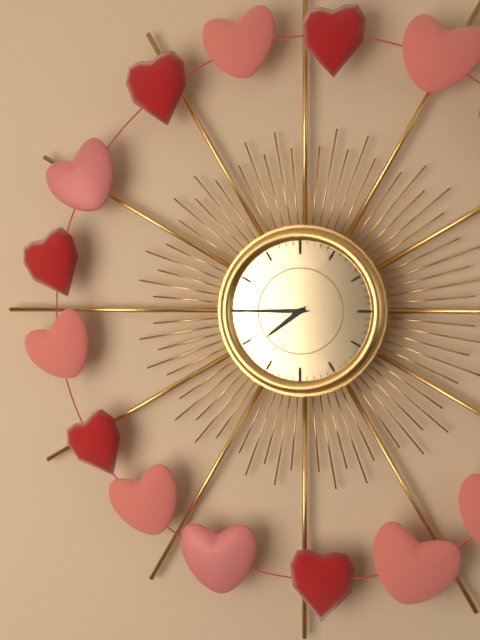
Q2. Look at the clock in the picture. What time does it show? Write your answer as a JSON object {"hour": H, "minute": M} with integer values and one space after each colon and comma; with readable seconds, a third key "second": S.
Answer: {"hour": 7, "minute": 45}
